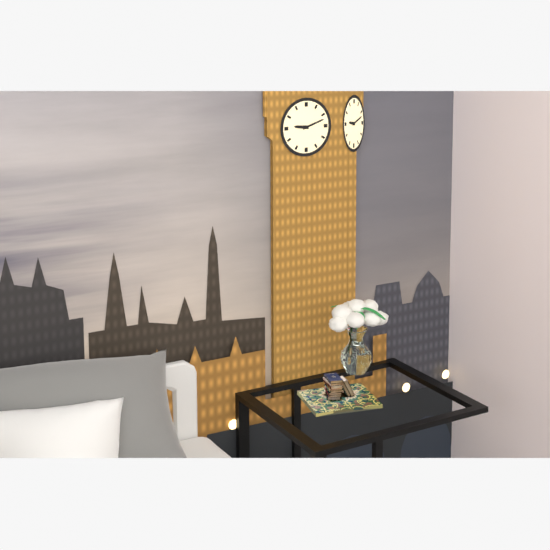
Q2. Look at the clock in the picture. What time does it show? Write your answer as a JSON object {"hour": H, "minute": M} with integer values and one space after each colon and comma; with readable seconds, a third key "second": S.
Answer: {"hour": 9, "minute": 12}
